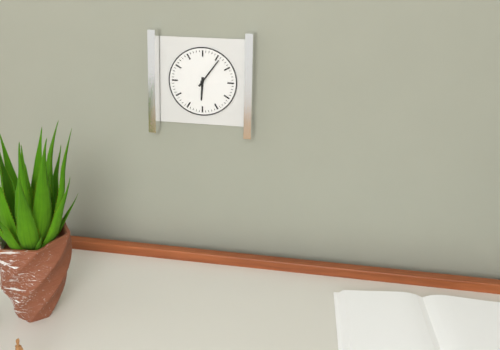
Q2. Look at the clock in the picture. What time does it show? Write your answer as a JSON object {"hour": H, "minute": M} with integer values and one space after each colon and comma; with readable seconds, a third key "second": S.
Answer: {"hour": 6, "minute": 6}
